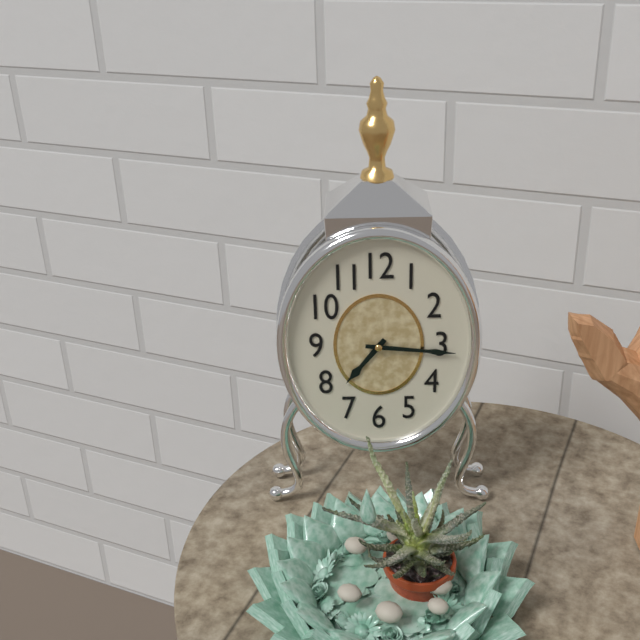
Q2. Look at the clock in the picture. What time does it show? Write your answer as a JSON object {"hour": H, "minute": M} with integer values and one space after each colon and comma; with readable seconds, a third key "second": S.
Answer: {"hour": 7, "minute": 16}
